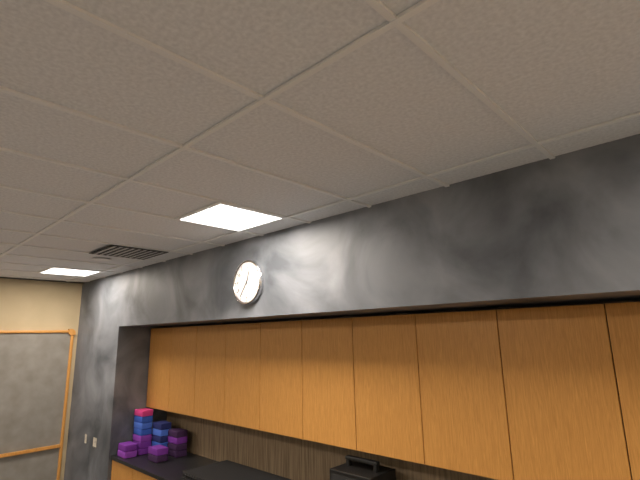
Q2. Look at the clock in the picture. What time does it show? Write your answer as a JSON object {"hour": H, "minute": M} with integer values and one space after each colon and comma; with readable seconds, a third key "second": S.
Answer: {"hour": 12, "minute": 36}
